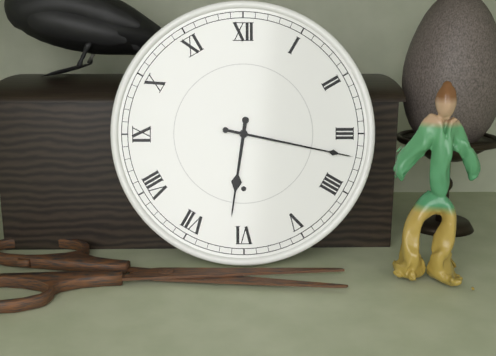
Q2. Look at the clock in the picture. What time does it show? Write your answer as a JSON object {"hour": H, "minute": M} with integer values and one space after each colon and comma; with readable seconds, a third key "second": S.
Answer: {"hour": 6, "minute": 17}
